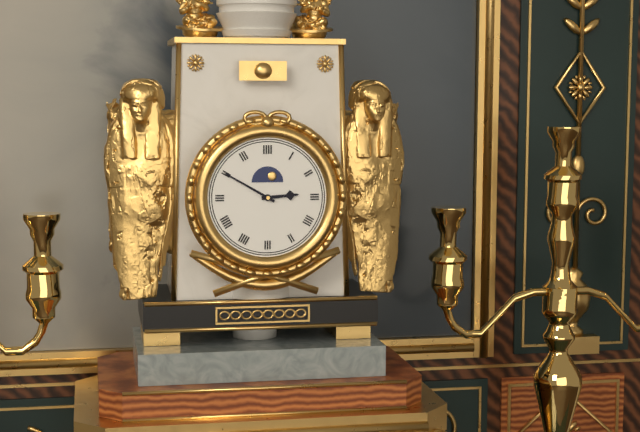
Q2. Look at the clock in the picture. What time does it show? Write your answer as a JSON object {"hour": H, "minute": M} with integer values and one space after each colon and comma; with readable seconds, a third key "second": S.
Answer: {"hour": 2, "minute": 50}
